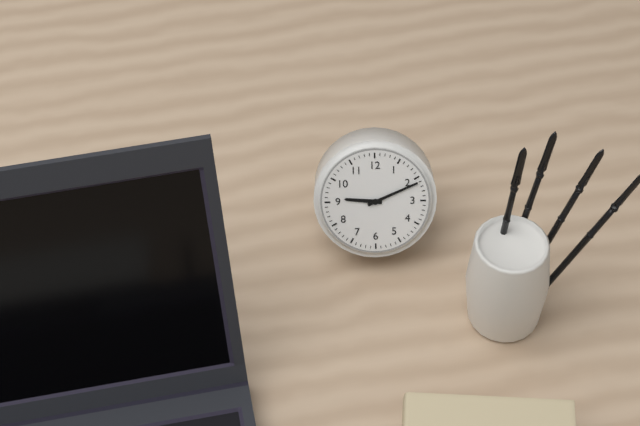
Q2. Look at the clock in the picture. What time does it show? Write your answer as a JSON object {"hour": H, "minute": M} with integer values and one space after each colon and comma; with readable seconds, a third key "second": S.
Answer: {"hour": 9, "minute": 11}
